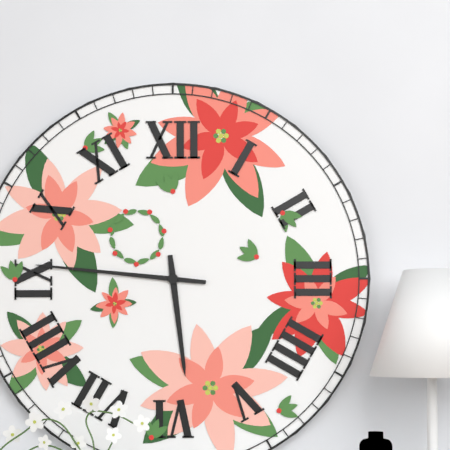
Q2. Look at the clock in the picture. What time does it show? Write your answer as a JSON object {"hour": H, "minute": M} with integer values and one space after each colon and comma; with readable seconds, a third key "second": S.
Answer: {"hour": 5, "minute": 46}
